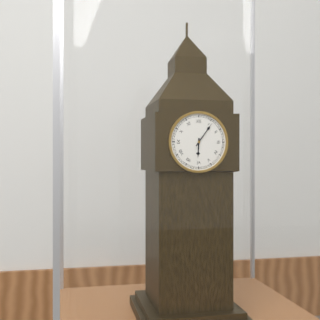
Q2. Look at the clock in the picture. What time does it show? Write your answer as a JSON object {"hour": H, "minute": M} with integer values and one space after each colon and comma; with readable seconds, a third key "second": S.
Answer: {"hour": 6, "minute": 6}
